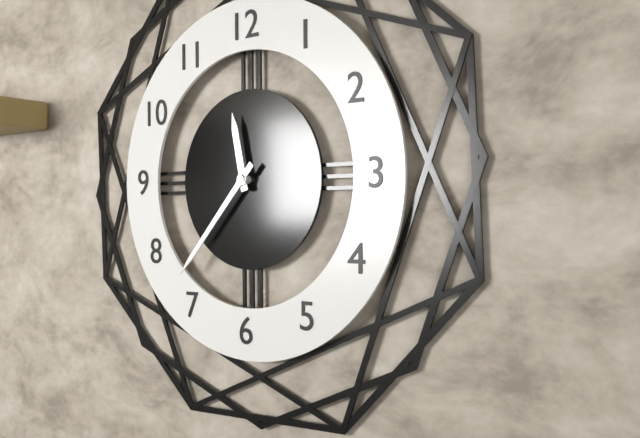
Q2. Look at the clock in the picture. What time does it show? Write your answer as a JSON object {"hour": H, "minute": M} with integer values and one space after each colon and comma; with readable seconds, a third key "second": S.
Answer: {"hour": 11, "minute": 37}
